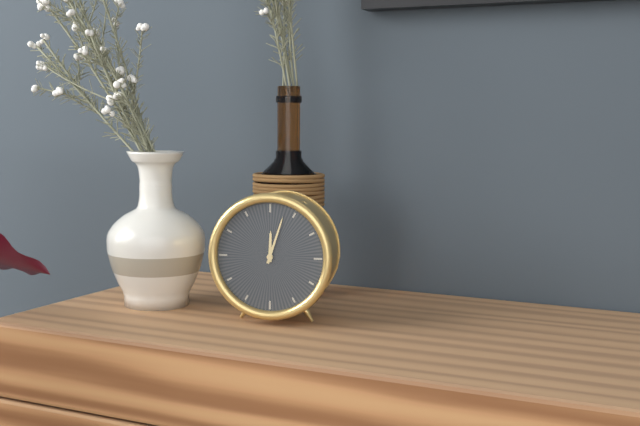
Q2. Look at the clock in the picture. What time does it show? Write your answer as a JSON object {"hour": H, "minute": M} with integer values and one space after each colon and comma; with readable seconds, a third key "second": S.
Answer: {"hour": 12, "minute": 3}
